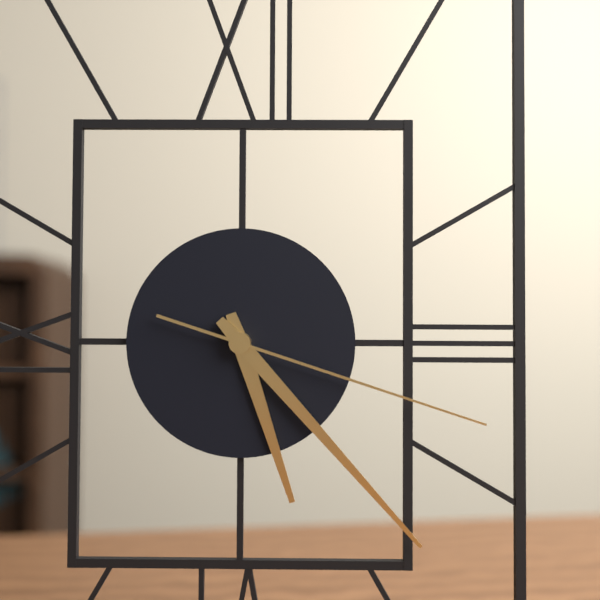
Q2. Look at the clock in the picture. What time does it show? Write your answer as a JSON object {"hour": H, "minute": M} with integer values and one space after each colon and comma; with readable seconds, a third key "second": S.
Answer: {"hour": 5, "minute": 23, "second": 18}
